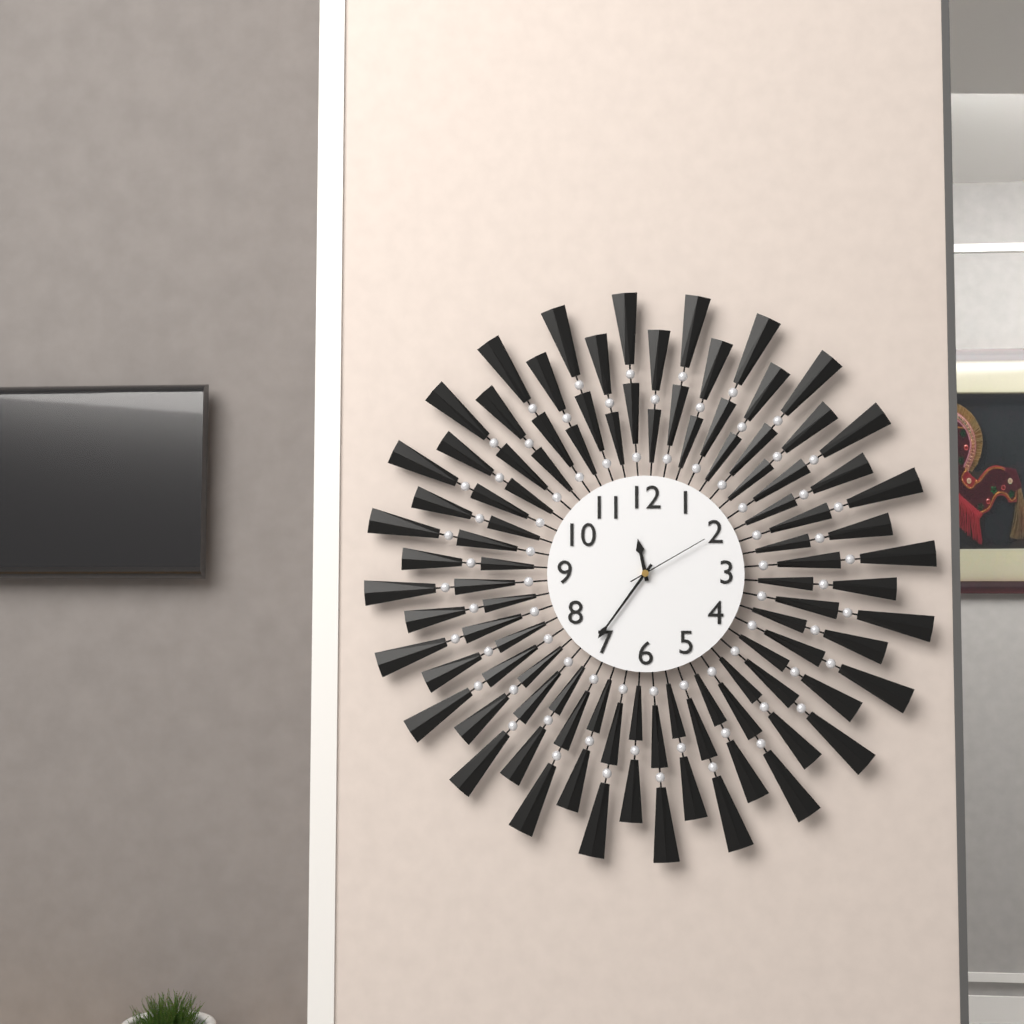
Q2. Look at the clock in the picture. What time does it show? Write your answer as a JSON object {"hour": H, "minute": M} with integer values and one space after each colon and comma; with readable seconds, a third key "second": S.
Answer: {"hour": 11, "minute": 36, "second": 10}
